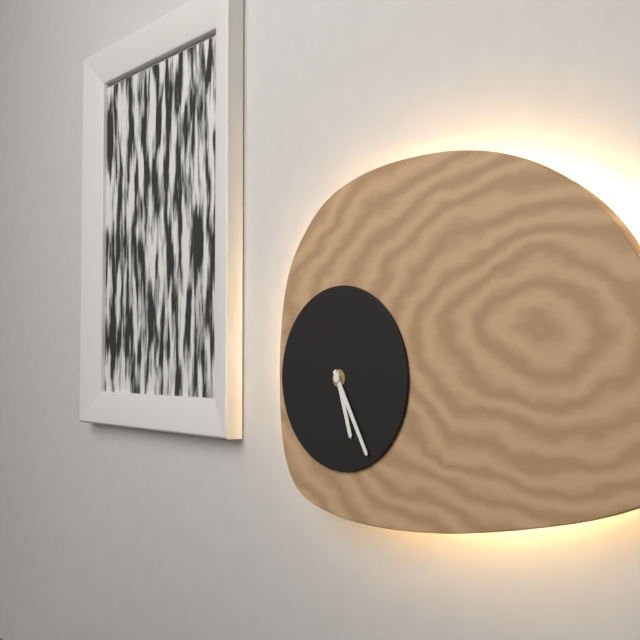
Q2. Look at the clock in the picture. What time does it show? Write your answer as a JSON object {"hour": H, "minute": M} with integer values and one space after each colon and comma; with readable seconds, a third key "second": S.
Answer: {"hour": 5, "minute": 25}
